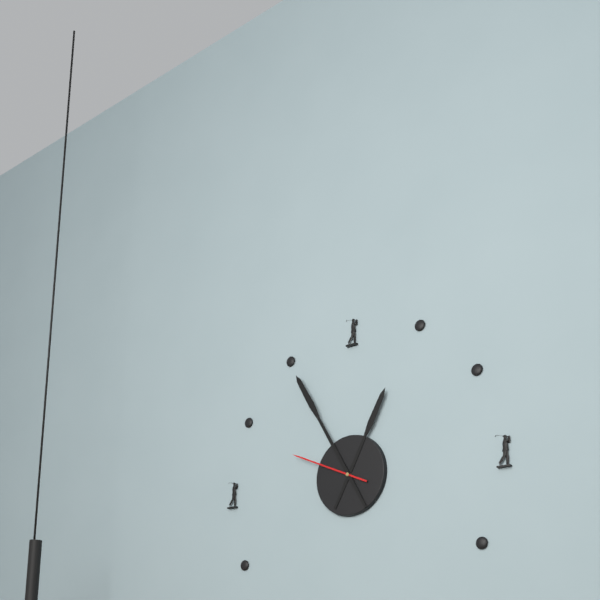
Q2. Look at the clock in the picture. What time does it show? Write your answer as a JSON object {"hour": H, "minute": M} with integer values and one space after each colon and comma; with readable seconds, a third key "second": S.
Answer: {"hour": 12, "minute": 55, "second": 49}
